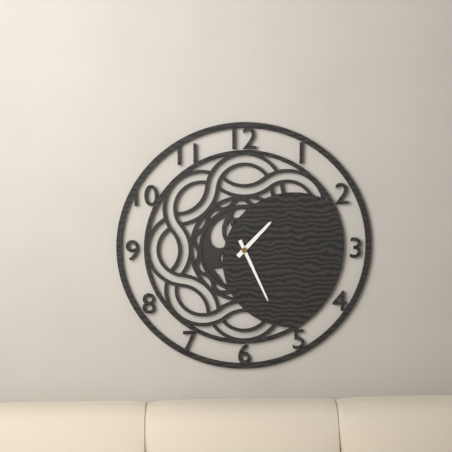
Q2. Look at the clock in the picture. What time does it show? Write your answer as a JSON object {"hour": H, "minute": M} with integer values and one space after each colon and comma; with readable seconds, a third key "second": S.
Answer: {"hour": 1, "minute": 26}
